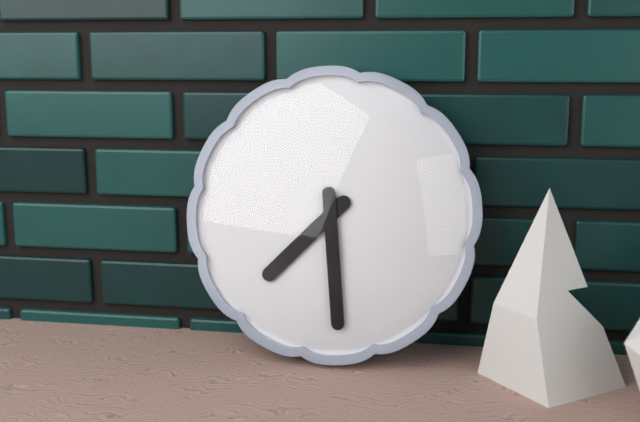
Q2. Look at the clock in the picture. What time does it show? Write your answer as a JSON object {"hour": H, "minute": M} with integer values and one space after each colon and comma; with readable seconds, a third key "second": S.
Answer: {"hour": 7, "minute": 29}
